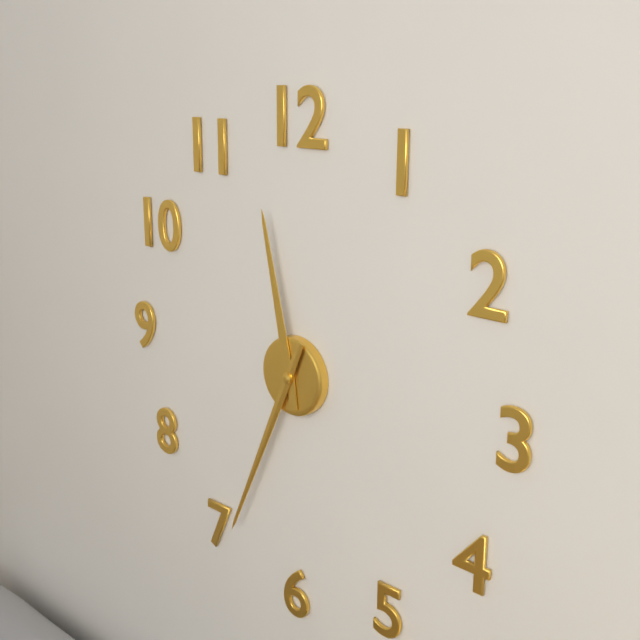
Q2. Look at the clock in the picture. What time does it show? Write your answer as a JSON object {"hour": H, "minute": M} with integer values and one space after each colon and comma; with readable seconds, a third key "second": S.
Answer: {"hour": 11, "minute": 34}
